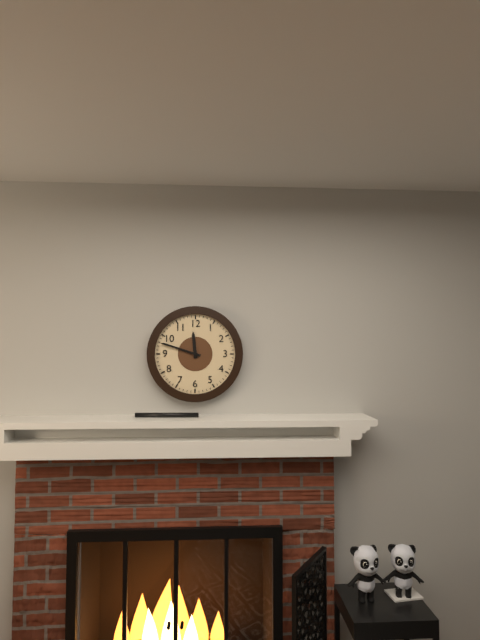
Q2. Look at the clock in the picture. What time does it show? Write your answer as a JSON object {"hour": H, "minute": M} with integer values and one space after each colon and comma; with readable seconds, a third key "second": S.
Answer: {"hour": 11, "minute": 48}
